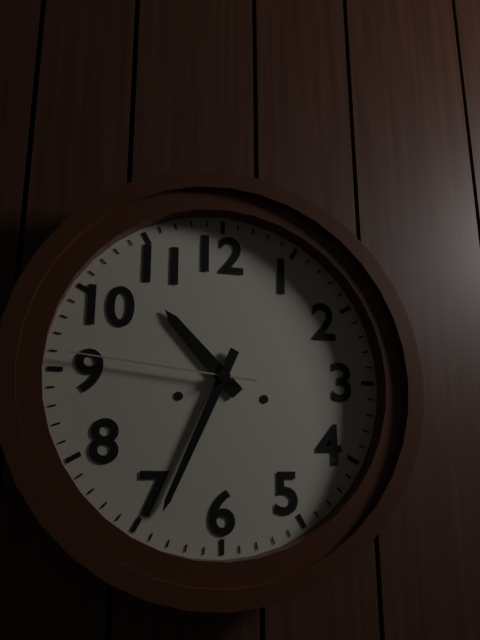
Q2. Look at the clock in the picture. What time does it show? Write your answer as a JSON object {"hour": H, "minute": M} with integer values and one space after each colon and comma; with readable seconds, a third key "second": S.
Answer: {"hour": 10, "minute": 34, "second": 46}
